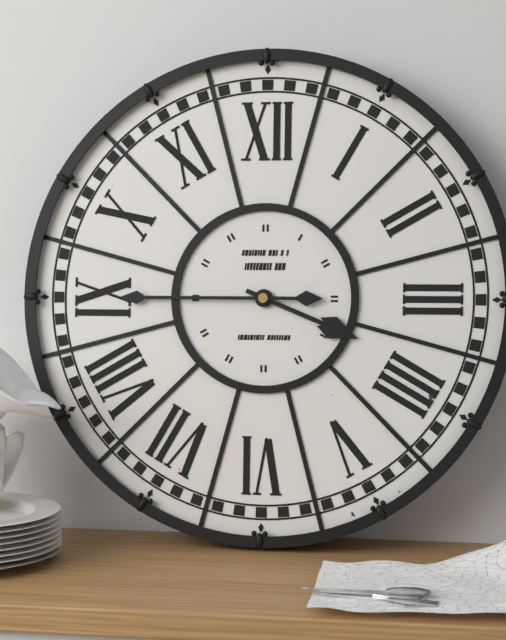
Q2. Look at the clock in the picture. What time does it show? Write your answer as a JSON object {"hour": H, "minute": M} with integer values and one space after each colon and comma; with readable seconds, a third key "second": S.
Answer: {"hour": 3, "minute": 45}
